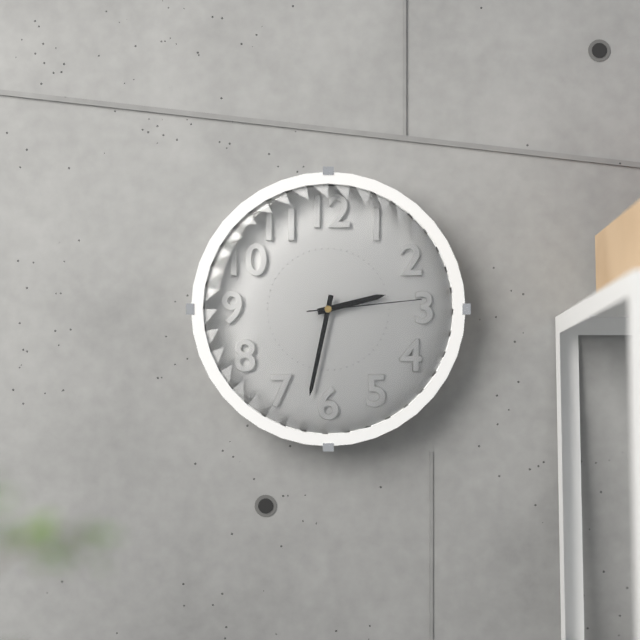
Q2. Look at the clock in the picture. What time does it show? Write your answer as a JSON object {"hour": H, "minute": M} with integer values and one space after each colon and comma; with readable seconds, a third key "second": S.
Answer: {"hour": 2, "minute": 32, "second": 14}
